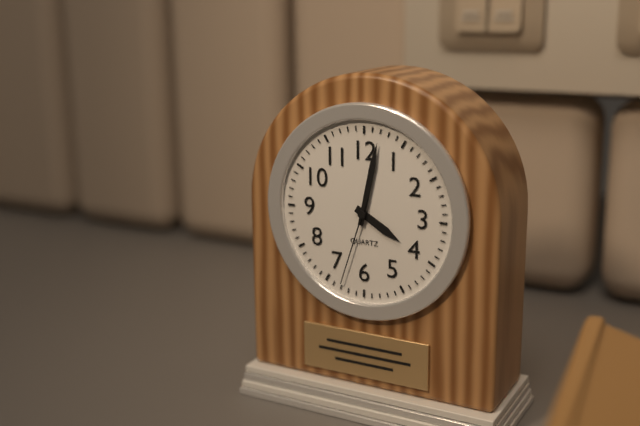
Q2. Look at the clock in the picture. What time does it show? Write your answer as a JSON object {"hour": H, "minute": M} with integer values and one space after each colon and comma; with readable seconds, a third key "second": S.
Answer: {"hour": 4, "minute": 2, "second": 33}
